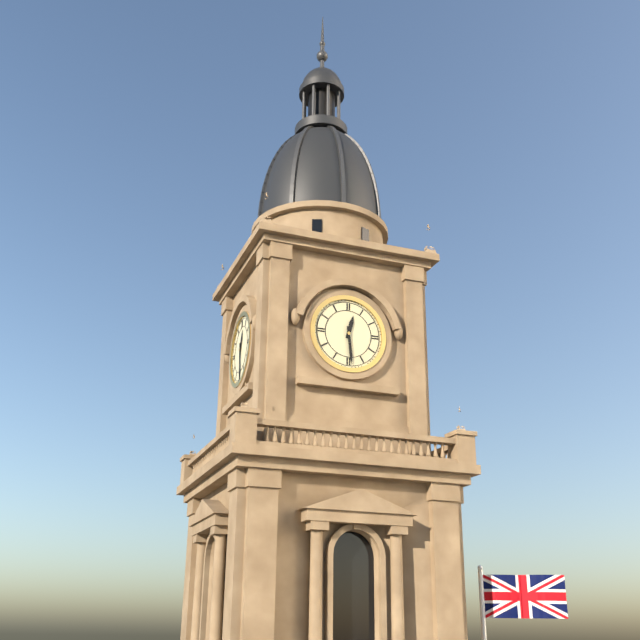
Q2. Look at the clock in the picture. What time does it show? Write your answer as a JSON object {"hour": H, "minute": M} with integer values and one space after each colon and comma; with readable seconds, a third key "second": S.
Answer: {"hour": 12, "minute": 29}
